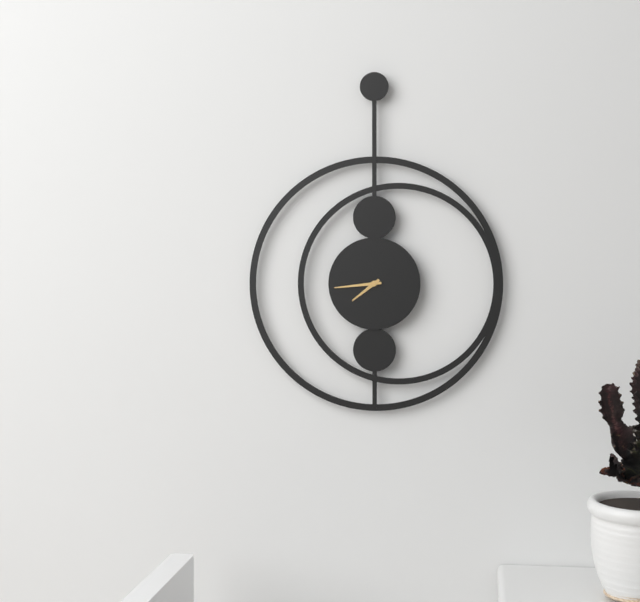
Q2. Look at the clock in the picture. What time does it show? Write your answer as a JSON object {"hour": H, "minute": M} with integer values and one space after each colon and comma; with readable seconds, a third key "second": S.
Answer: {"hour": 7, "minute": 44}
